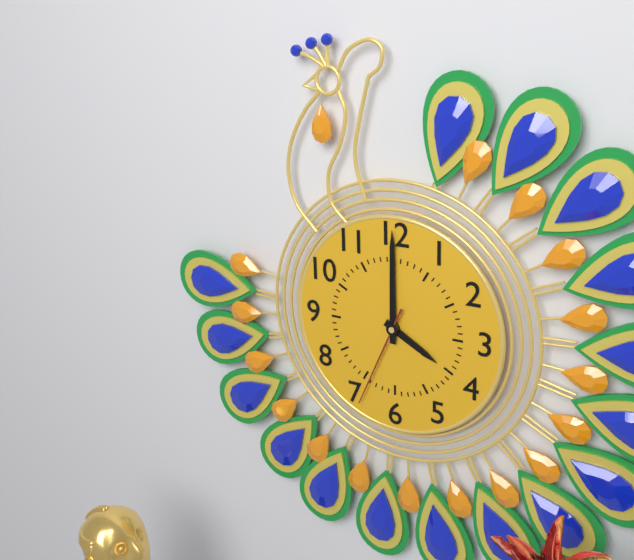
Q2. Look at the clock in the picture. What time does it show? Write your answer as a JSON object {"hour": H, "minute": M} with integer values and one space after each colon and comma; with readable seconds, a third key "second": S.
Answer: {"hour": 4, "minute": 0, "second": 34}
